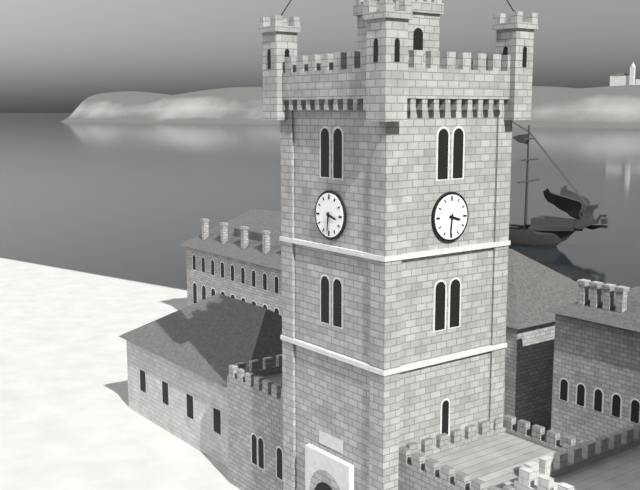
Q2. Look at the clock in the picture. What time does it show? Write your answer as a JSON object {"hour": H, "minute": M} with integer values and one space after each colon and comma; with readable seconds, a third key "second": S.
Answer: {"hour": 3, "minute": 31}
